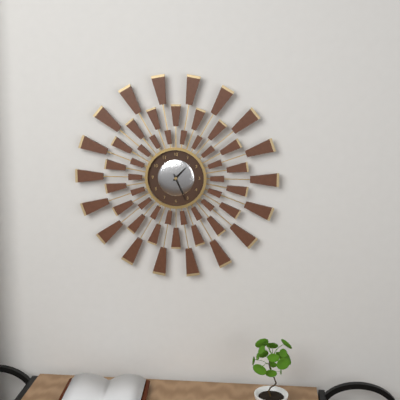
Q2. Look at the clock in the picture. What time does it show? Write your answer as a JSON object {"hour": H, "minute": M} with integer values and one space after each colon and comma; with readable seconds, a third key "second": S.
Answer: {"hour": 1, "minute": 26}
